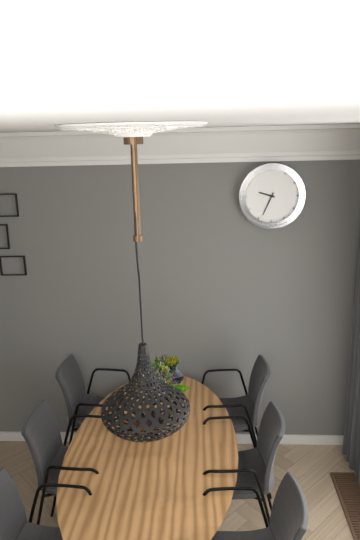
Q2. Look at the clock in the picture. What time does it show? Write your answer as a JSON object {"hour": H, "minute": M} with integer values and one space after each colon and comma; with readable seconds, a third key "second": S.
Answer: {"hour": 9, "minute": 34}
